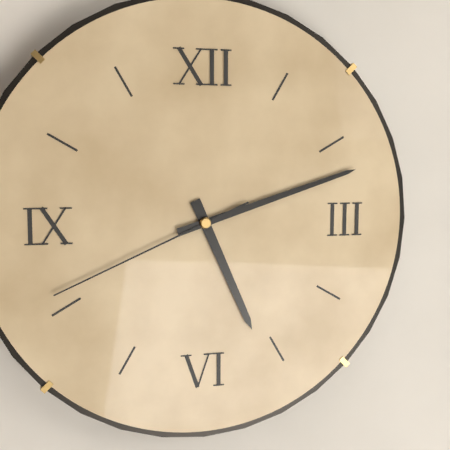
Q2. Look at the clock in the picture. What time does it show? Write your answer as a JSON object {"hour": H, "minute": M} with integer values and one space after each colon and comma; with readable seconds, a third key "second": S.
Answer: {"hour": 5, "minute": 12, "second": 41}
